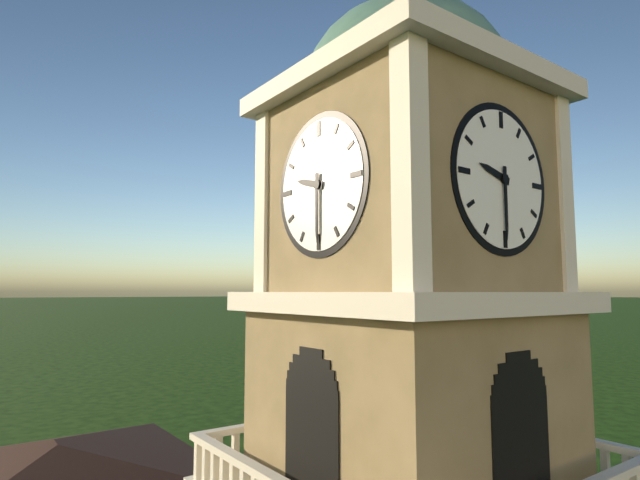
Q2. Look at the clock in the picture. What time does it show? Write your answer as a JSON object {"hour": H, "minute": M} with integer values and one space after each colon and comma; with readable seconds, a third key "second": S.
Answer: {"hour": 9, "minute": 30}
